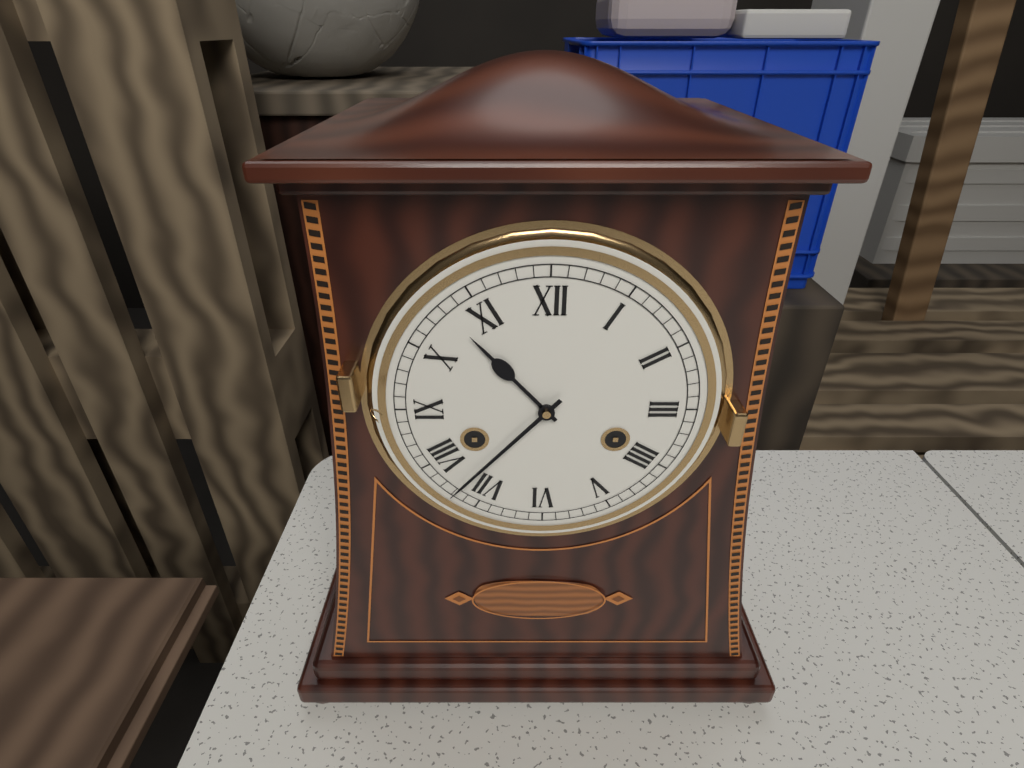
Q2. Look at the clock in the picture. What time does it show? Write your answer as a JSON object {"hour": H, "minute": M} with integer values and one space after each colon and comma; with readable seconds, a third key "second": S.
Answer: {"hour": 10, "minute": 37}
